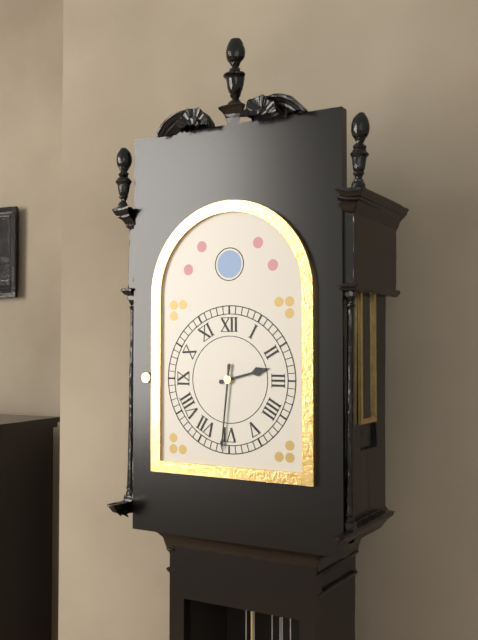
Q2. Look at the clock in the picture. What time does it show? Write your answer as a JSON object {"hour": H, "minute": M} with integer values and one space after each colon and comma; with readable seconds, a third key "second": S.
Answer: {"hour": 2, "minute": 31}
